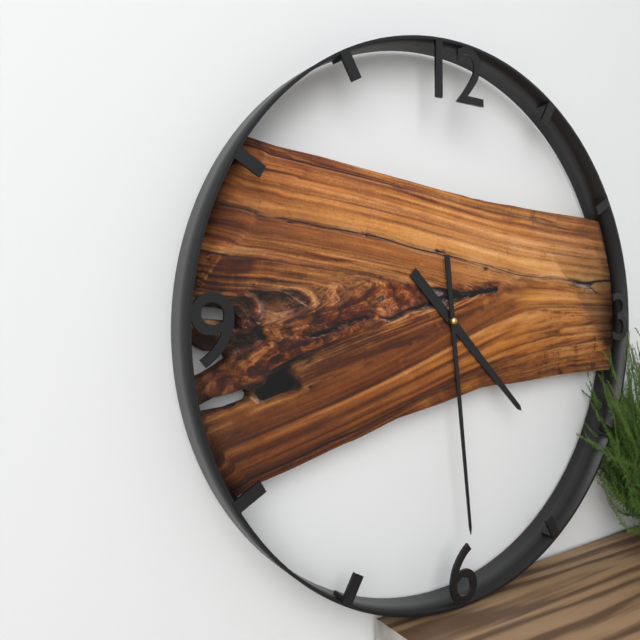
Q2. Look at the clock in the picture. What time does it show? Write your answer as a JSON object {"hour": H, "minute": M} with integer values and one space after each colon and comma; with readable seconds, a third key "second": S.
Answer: {"hour": 4, "minute": 29}
